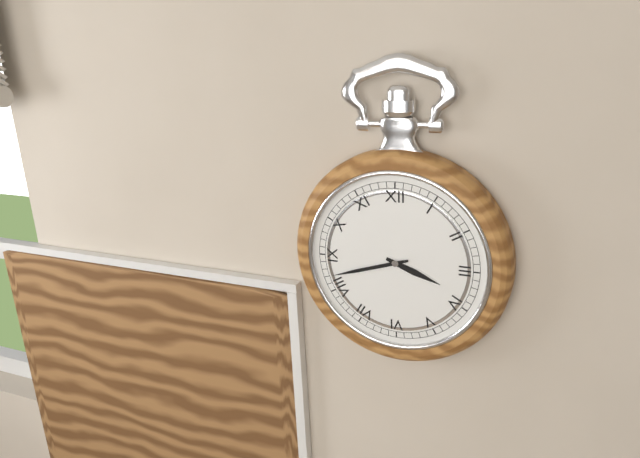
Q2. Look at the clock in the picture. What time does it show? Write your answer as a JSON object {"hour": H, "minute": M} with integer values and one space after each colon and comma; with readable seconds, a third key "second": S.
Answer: {"hour": 3, "minute": 42}
